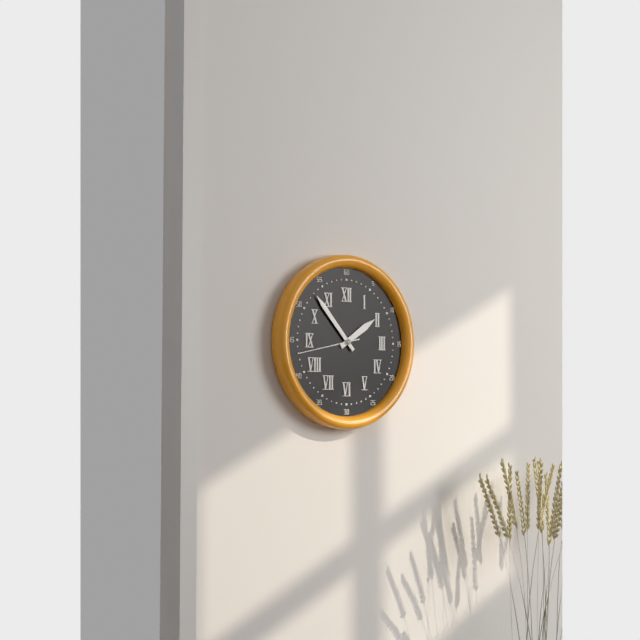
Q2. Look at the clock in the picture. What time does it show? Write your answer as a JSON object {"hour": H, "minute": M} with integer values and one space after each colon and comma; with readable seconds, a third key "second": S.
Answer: {"hour": 1, "minute": 53, "second": 43}
